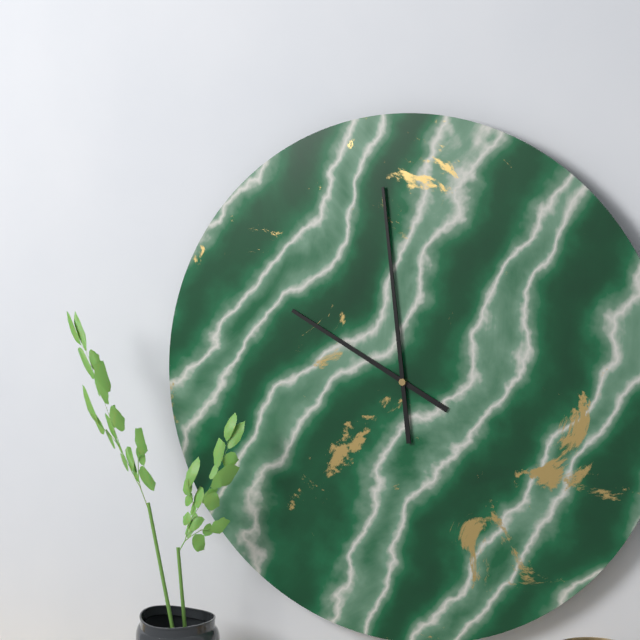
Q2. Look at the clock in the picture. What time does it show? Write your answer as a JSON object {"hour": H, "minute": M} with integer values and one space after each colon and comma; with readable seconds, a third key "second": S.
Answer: {"hour": 9, "minute": 59}
